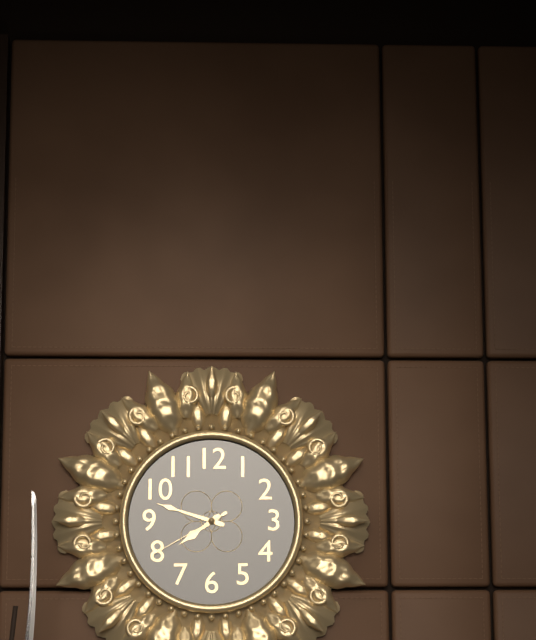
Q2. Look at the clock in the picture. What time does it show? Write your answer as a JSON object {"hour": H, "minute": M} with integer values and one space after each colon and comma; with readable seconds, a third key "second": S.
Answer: {"hour": 7, "minute": 48, "second": 40}
